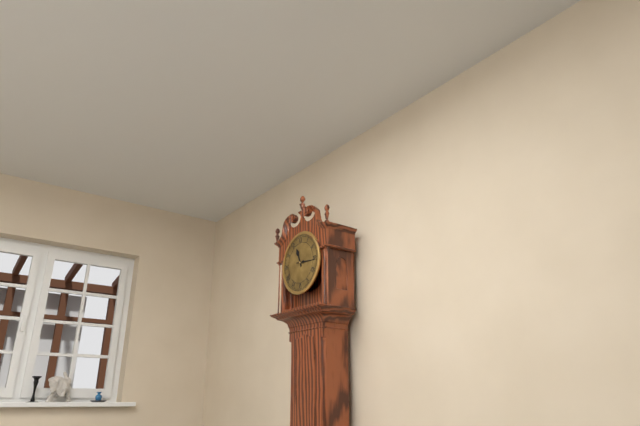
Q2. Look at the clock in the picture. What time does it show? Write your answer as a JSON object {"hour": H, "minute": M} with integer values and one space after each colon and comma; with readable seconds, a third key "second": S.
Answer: {"hour": 11, "minute": 16}
